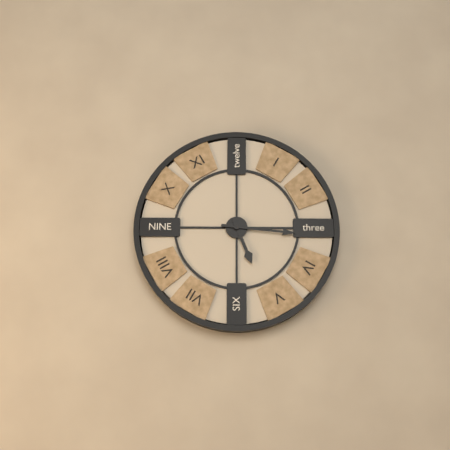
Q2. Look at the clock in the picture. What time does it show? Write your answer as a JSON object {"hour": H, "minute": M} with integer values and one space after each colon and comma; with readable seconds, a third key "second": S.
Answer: {"hour": 5, "minute": 16}
